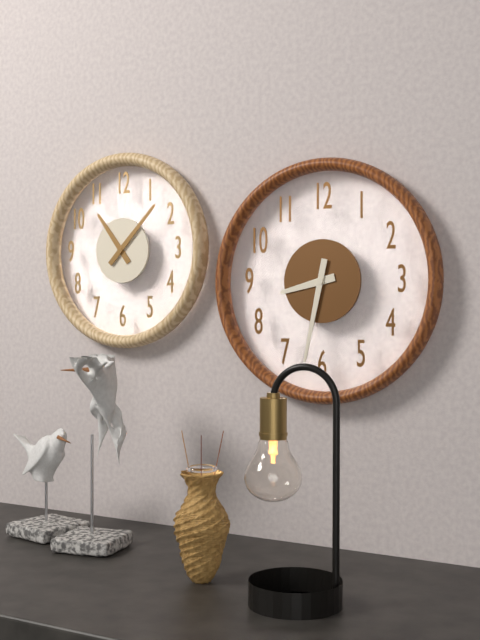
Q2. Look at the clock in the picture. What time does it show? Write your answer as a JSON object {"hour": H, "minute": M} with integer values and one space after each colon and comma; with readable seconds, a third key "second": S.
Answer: {"hour": 8, "minute": 32}
